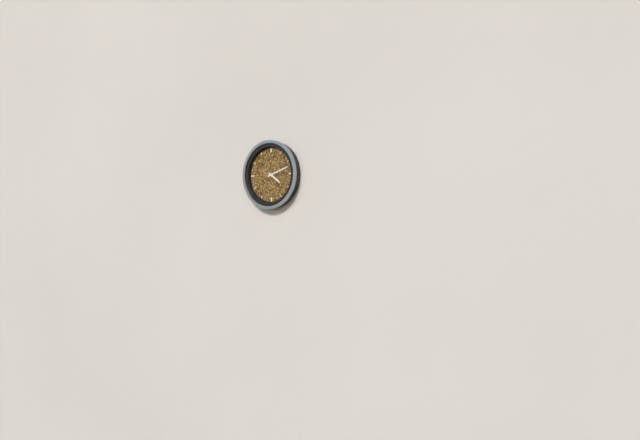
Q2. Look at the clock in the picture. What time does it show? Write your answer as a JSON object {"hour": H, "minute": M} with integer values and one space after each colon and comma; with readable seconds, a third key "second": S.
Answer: {"hour": 4, "minute": 12}
